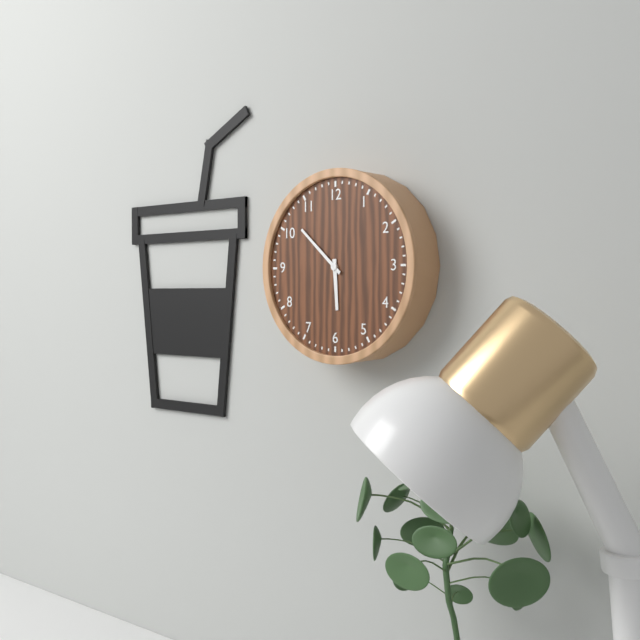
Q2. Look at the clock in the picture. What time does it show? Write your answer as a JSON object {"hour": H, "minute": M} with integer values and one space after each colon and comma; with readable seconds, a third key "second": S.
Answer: {"hour": 5, "minute": 52}
